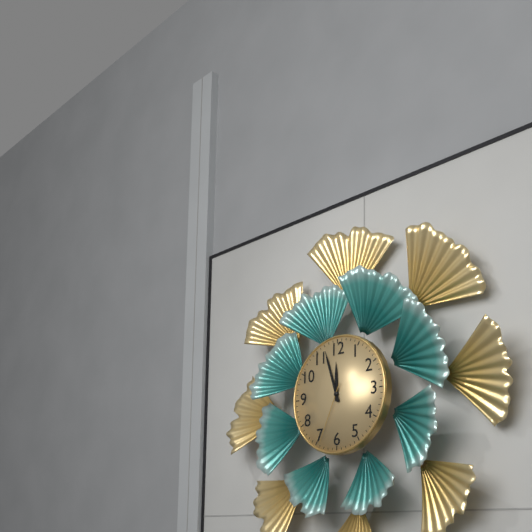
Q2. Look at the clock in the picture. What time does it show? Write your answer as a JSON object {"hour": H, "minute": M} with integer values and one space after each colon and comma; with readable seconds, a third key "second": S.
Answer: {"hour": 11, "minute": 57, "second": 34}
